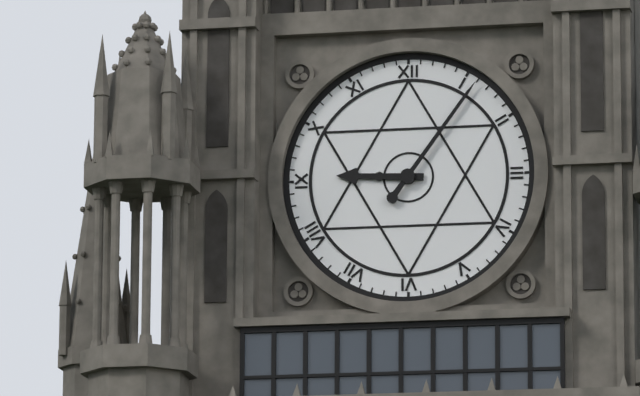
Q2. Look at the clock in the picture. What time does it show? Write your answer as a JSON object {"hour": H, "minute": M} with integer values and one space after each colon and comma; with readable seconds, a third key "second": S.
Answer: {"hour": 9, "minute": 6}
